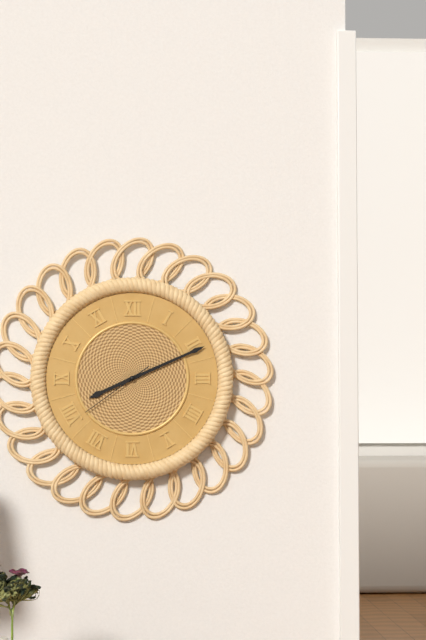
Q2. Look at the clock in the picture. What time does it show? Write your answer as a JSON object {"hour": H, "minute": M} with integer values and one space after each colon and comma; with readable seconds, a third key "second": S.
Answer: {"hour": 8, "minute": 11, "second": 39}
